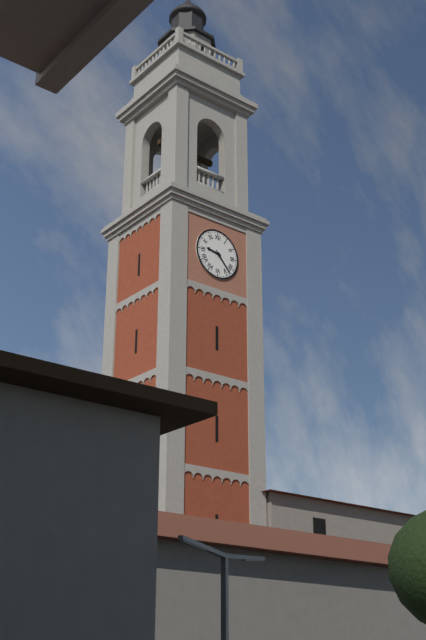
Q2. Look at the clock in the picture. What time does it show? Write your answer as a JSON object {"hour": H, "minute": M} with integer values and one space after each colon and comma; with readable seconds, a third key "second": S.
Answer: {"hour": 9, "minute": 23}
